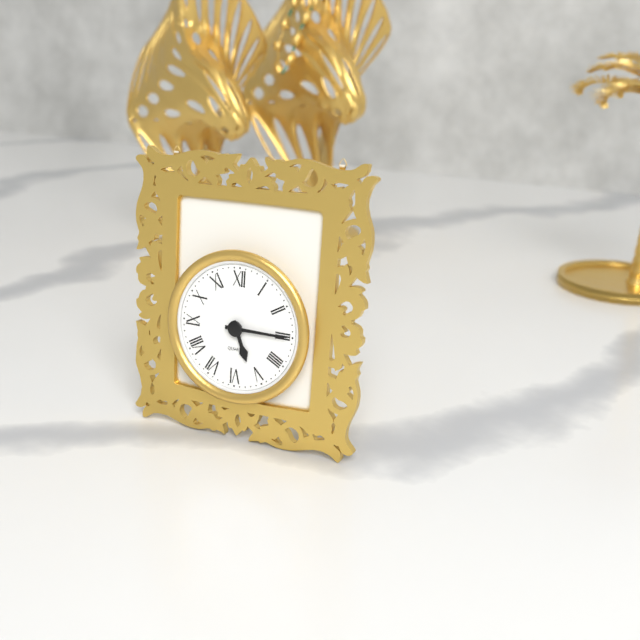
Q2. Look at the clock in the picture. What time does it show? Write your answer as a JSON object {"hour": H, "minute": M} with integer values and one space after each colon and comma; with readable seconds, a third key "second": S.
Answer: {"hour": 5, "minute": 15}
